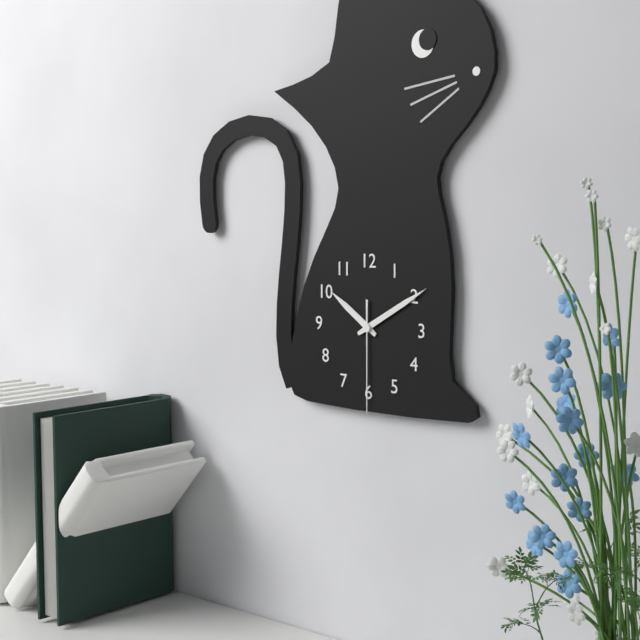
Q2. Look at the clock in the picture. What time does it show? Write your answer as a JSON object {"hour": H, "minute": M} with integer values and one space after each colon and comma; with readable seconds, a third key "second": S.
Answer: {"hour": 10, "minute": 10, "second": 30}
